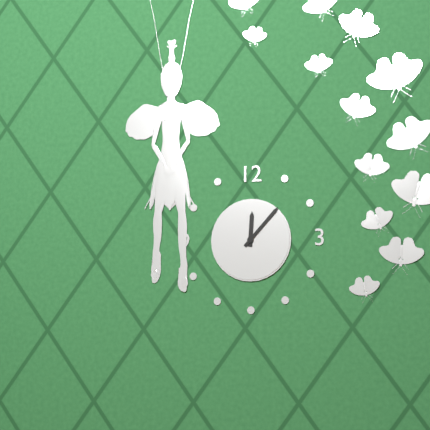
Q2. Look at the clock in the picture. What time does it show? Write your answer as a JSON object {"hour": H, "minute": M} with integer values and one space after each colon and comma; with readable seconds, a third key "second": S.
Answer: {"hour": 12, "minute": 7}
